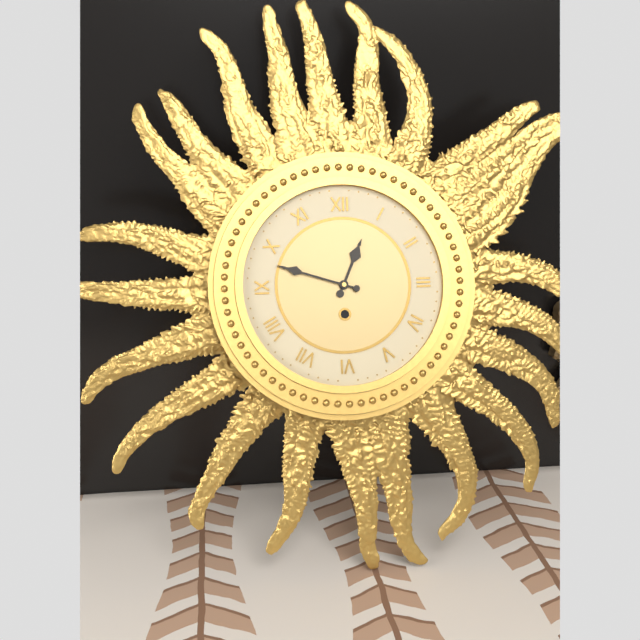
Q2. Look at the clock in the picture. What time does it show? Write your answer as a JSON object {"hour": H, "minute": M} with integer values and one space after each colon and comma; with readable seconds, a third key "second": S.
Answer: {"hour": 12, "minute": 48}
